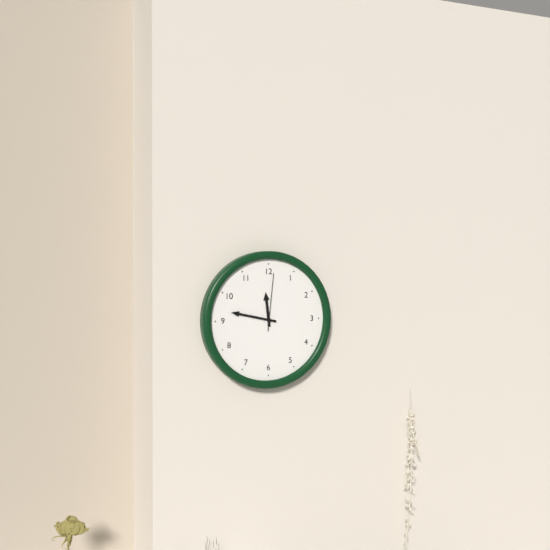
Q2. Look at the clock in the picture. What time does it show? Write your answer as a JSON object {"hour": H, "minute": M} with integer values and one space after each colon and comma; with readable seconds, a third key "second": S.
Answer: {"hour": 11, "minute": 47, "second": 1}
